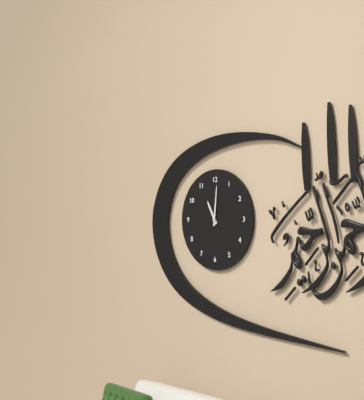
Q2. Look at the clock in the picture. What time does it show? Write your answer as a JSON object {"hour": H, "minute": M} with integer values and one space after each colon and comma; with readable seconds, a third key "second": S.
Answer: {"hour": 11, "minute": 1}
